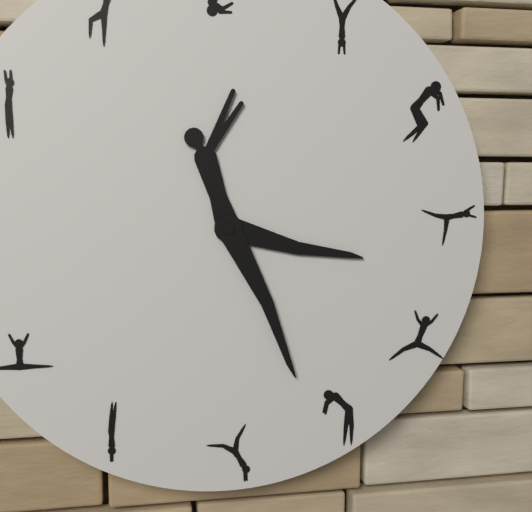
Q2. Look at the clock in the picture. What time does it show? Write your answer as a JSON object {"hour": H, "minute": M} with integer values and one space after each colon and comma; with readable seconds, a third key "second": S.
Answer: {"hour": 3, "minute": 26}
